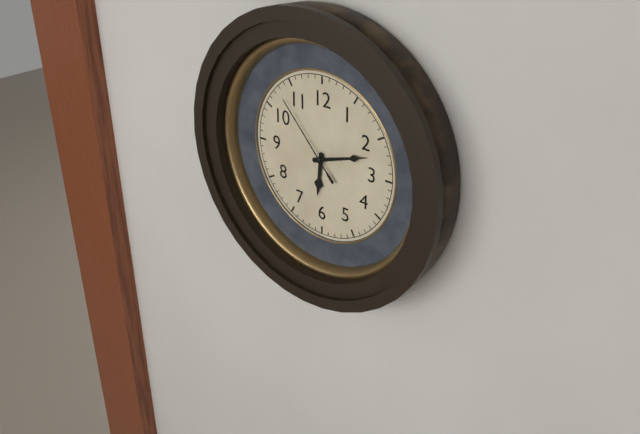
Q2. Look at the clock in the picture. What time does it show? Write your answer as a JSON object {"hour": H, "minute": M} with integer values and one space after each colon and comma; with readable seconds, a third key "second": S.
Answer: {"hour": 6, "minute": 12, "second": 53}
